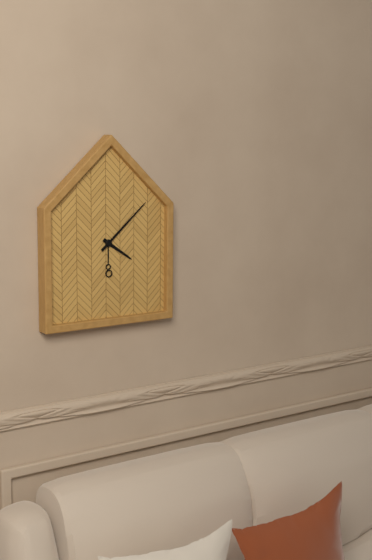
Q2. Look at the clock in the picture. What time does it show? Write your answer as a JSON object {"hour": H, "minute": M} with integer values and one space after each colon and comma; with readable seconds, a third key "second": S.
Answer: {"hour": 4, "minute": 8}
